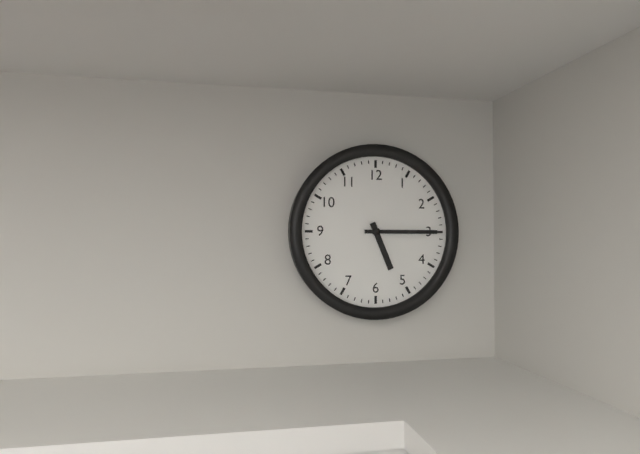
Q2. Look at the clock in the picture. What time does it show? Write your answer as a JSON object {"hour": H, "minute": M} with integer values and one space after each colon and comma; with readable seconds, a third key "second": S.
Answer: {"hour": 5, "minute": 15}
